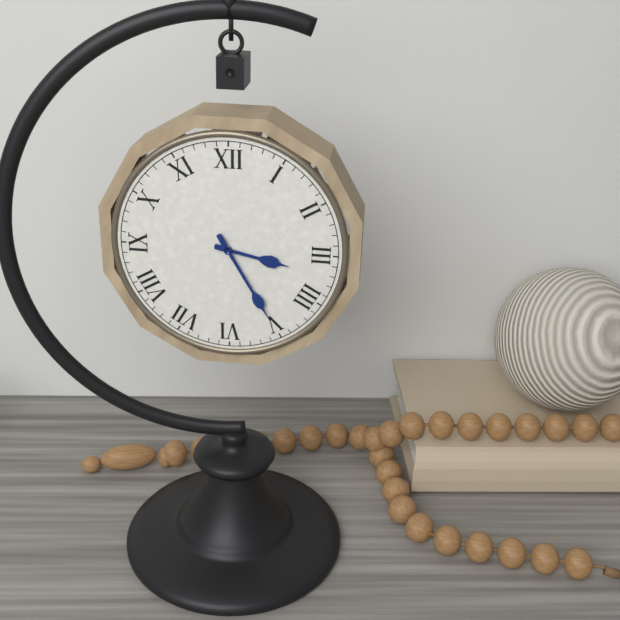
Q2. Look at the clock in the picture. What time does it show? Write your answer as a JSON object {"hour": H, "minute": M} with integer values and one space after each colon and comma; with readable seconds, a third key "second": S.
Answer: {"hour": 3, "minute": 25}
